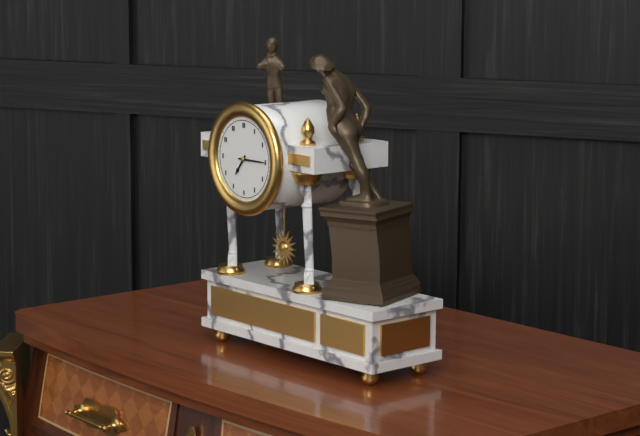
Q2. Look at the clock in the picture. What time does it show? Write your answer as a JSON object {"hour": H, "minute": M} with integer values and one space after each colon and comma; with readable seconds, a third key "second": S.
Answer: {"hour": 7, "minute": 15}
